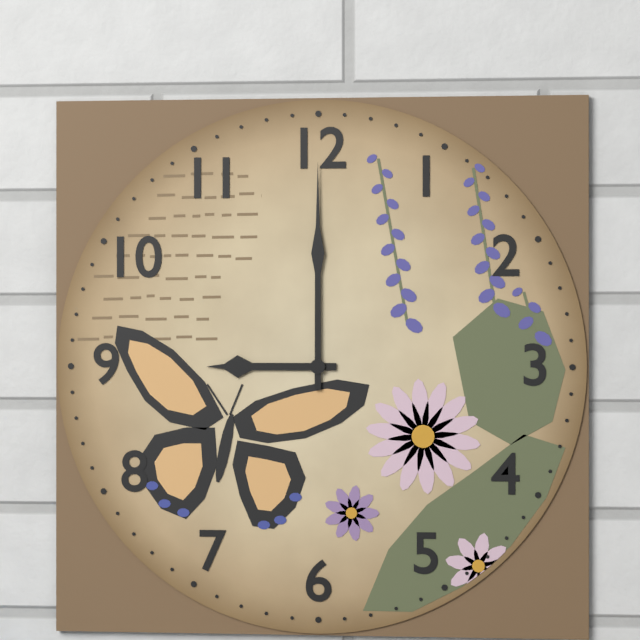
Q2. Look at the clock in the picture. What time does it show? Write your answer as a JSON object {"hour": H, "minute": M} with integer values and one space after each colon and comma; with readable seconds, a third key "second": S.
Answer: {"hour": 9, "minute": 0}
